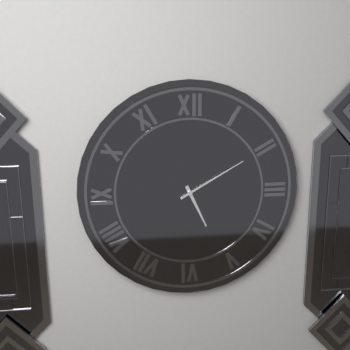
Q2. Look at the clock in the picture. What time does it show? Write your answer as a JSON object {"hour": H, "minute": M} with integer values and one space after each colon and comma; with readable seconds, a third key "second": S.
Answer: {"hour": 5, "minute": 10}
